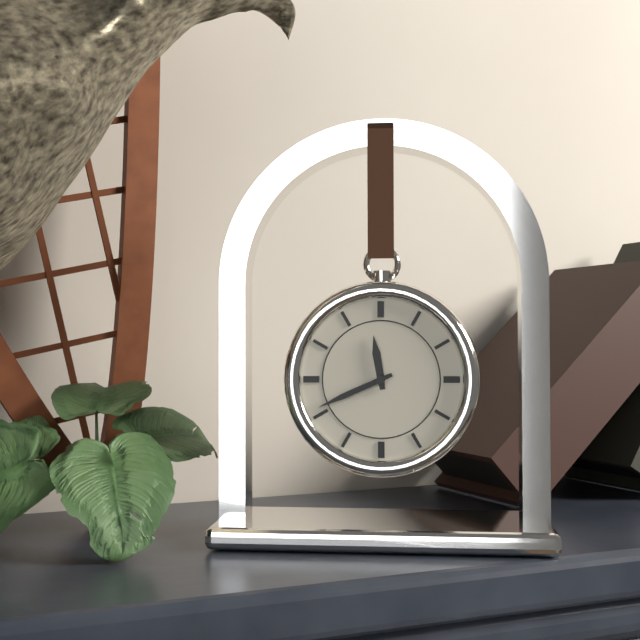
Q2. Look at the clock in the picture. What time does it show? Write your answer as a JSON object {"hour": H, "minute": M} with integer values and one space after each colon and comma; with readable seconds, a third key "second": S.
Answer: {"hour": 11, "minute": 41}
